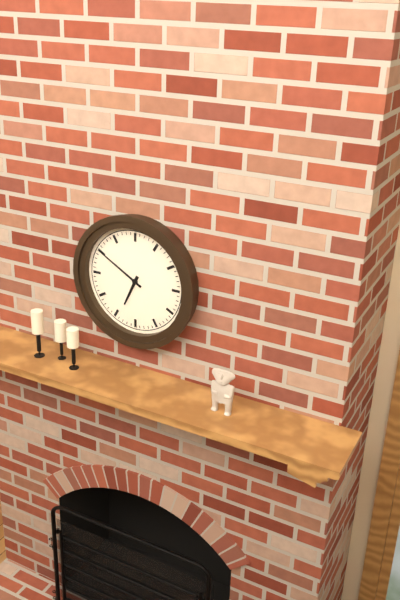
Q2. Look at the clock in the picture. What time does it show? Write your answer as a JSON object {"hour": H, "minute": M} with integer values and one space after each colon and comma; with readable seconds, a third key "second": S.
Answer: {"hour": 6, "minute": 50}
